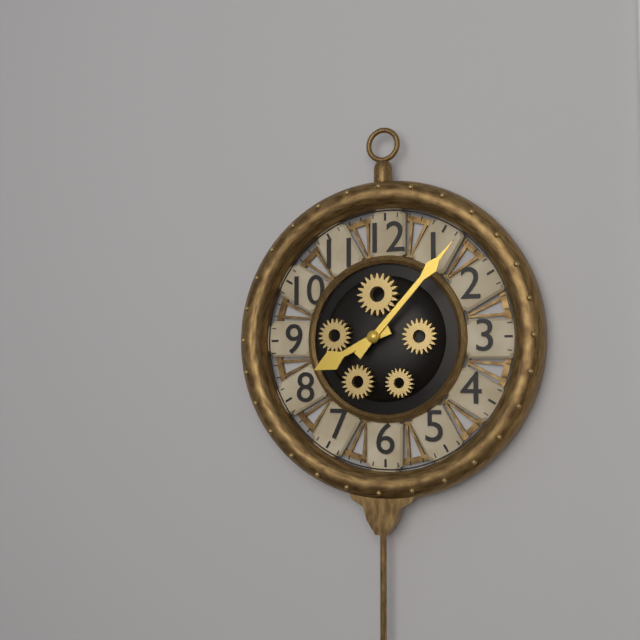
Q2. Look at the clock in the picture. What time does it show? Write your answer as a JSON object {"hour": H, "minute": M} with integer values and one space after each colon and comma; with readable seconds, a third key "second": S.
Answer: {"hour": 8, "minute": 7}
